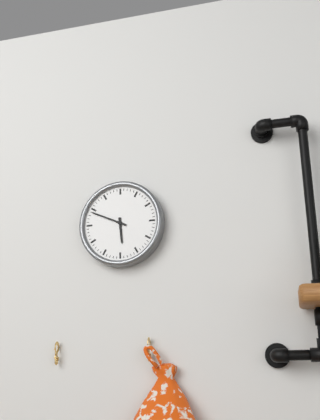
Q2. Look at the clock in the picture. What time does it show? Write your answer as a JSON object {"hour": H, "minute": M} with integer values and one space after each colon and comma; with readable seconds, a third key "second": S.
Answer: {"hour": 5, "minute": 49}
